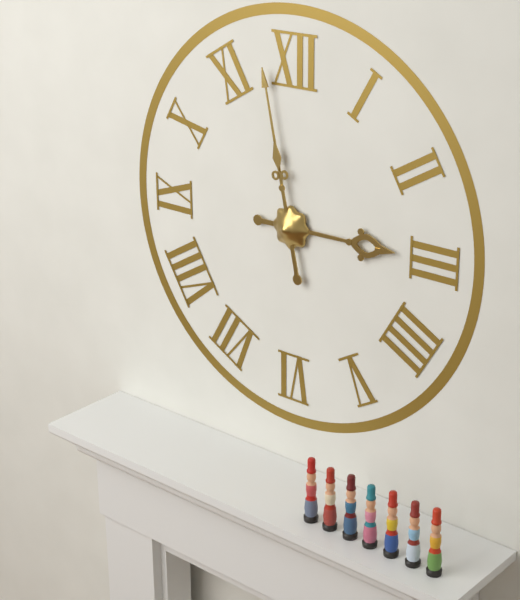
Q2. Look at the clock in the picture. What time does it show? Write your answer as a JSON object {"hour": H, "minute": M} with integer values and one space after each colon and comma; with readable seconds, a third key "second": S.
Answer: {"hour": 2, "minute": 58}
